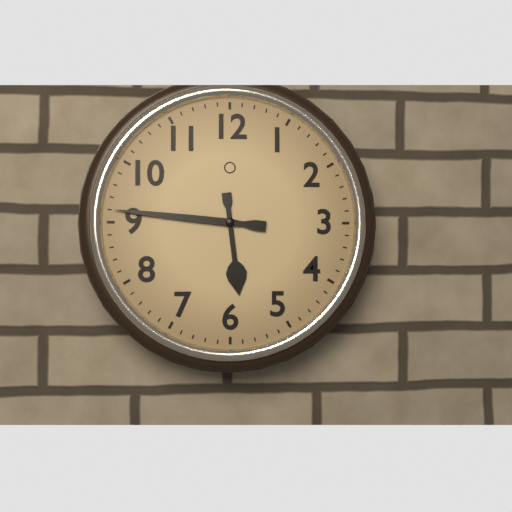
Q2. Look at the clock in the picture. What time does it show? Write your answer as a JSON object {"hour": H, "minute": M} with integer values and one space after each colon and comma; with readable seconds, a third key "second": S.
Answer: {"hour": 5, "minute": 46}
